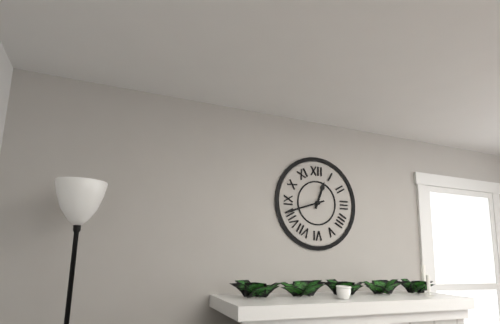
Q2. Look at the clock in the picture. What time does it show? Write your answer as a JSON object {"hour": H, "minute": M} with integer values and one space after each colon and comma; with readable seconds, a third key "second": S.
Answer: {"hour": 12, "minute": 42}
